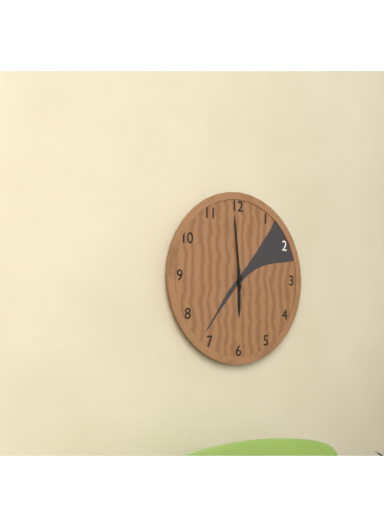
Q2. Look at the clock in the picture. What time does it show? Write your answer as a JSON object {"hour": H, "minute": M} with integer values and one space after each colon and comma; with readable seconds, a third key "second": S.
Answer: {"hour": 5, "minute": 59}
